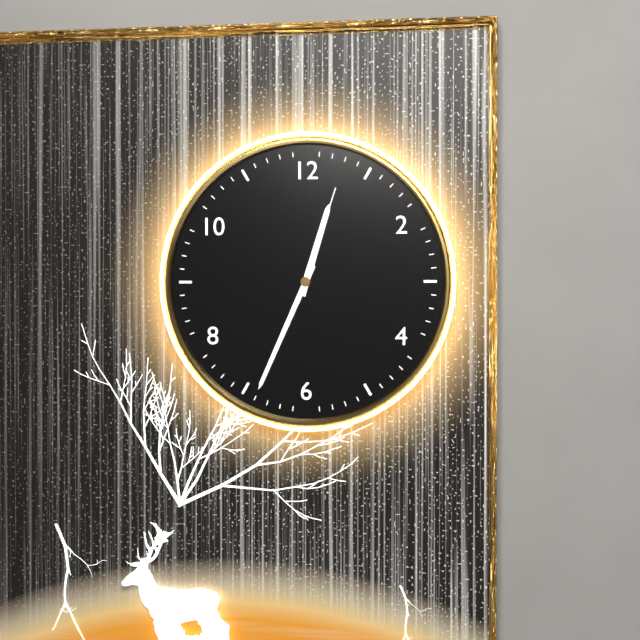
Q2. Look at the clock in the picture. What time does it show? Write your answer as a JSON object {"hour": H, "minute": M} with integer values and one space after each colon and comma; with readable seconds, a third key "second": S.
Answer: {"hour": 12, "minute": 34, "second": 3}
